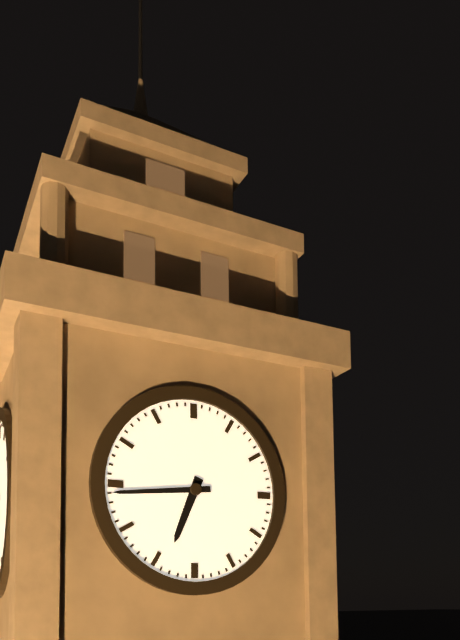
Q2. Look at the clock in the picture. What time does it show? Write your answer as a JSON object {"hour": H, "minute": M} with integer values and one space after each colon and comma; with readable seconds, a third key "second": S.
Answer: {"hour": 6, "minute": 44}
